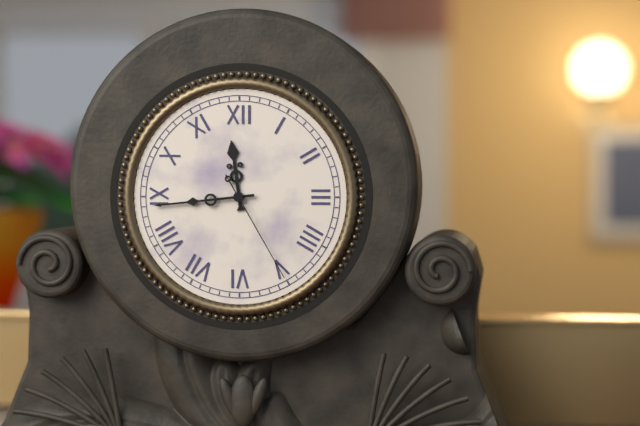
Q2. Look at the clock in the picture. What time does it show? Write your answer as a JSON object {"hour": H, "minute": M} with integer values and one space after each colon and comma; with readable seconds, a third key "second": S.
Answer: {"hour": 11, "minute": 44, "second": 25}
